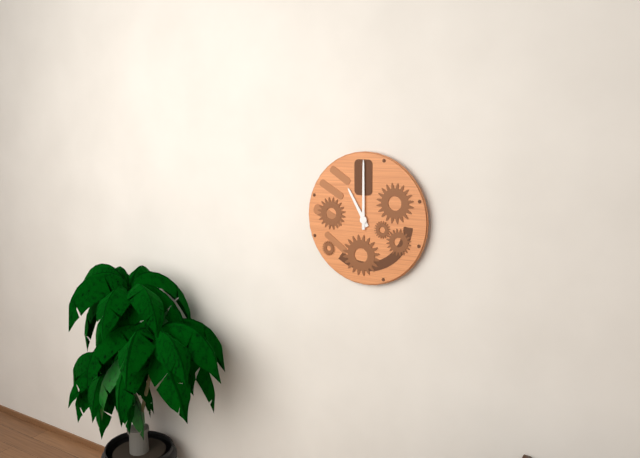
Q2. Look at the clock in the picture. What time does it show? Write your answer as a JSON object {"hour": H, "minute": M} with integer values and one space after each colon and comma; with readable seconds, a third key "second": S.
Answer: {"hour": 11, "minute": 0}
